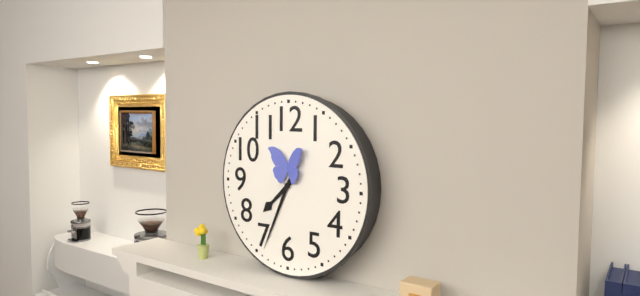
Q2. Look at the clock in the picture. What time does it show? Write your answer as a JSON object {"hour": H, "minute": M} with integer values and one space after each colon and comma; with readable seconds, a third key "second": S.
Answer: {"hour": 7, "minute": 34}
